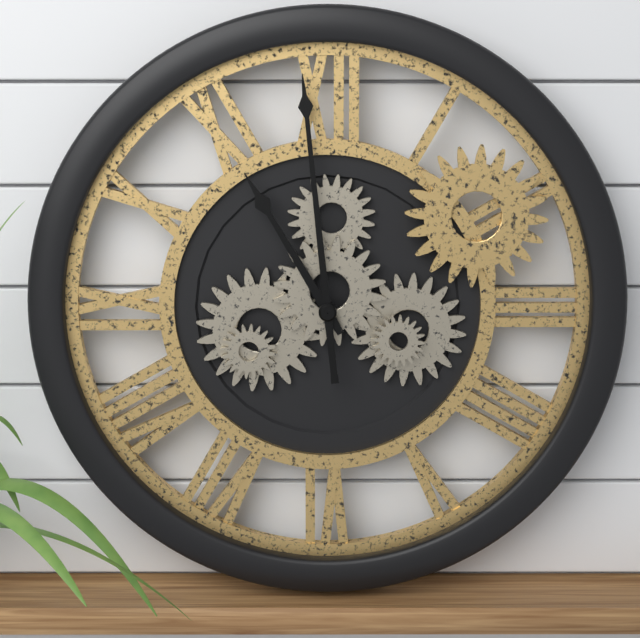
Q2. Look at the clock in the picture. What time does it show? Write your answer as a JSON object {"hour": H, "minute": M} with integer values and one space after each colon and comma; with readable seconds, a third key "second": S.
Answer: {"hour": 10, "minute": 59}
